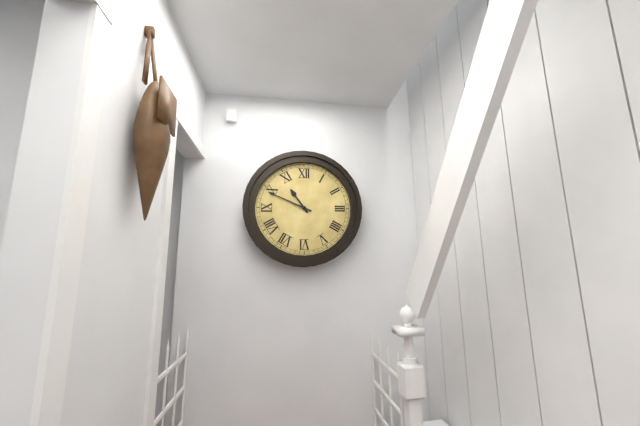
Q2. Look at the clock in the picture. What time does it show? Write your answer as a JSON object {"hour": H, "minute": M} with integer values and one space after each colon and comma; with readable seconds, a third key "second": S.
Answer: {"hour": 10, "minute": 49}
